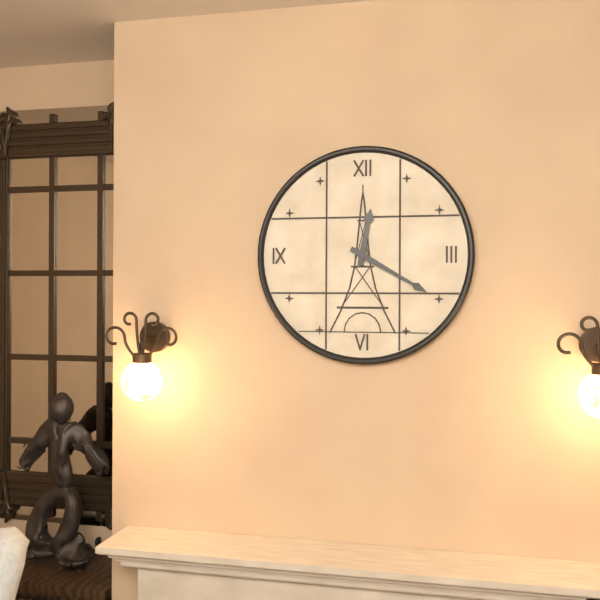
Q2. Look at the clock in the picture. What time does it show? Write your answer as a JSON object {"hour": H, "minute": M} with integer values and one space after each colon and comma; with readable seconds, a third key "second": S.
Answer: {"hour": 12, "minute": 20}
